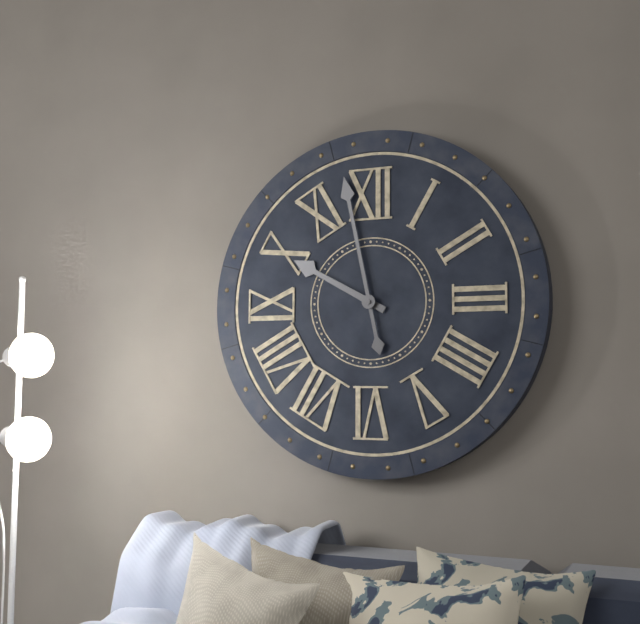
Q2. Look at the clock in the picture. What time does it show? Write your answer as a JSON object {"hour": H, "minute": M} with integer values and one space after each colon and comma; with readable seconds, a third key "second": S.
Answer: {"hour": 9, "minute": 58}
